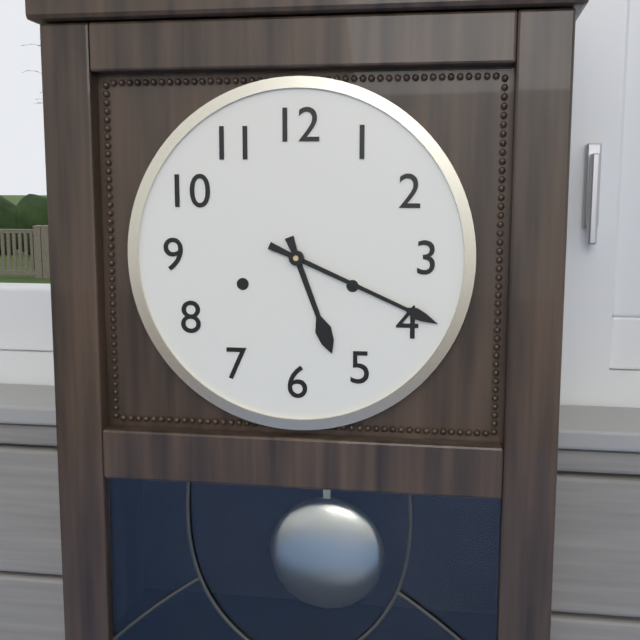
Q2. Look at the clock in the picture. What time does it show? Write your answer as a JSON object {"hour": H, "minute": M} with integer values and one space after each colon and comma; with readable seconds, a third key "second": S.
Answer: {"hour": 5, "minute": 19}
